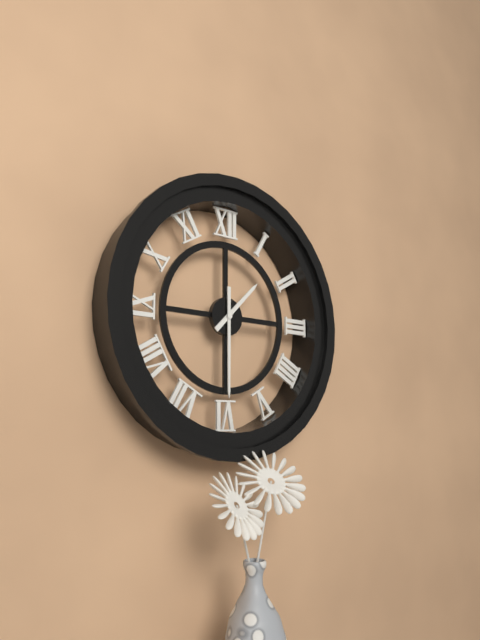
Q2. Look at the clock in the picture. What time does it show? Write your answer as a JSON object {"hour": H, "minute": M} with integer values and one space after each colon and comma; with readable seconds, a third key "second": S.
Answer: {"hour": 1, "minute": 30}
